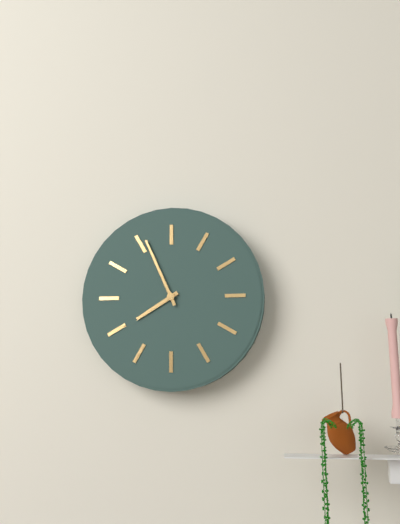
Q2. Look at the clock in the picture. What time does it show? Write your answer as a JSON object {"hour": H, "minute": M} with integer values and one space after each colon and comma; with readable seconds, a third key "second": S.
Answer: {"hour": 7, "minute": 56}
